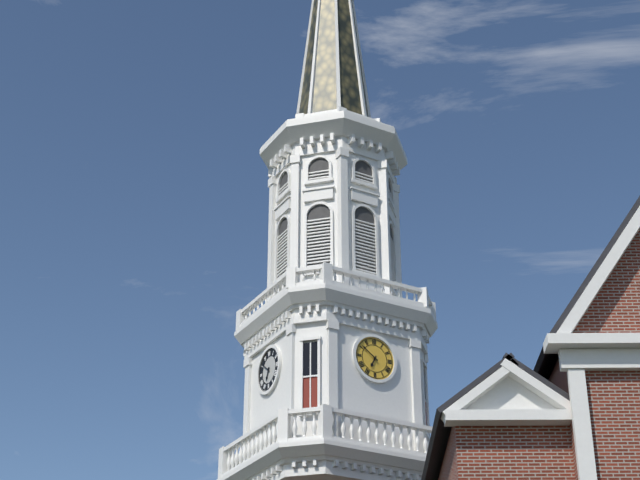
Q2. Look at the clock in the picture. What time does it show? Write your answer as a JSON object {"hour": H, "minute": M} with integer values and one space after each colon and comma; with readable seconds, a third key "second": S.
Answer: {"hour": 6, "minute": 51}
